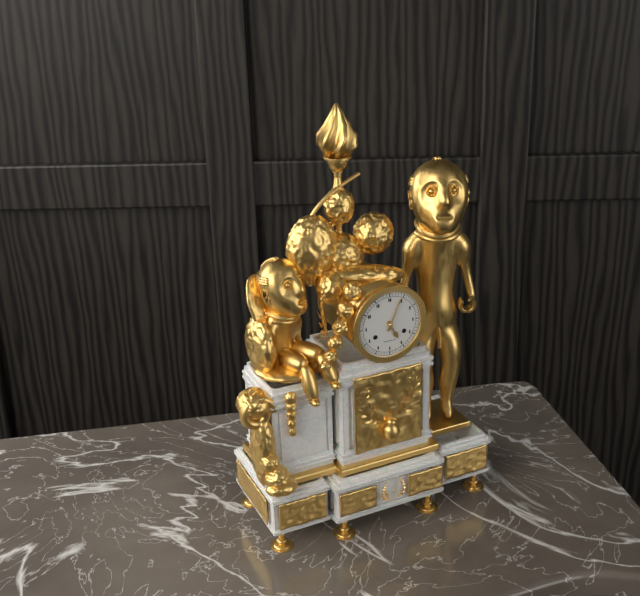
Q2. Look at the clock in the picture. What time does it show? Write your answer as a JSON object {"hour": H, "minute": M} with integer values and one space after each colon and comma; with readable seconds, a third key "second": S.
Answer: {"hour": 5, "minute": 4}
